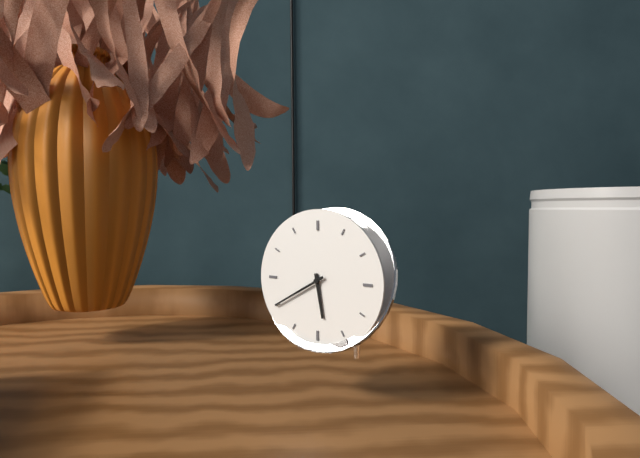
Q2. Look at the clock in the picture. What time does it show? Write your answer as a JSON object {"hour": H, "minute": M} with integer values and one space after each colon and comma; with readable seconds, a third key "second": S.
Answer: {"hour": 5, "minute": 40}
